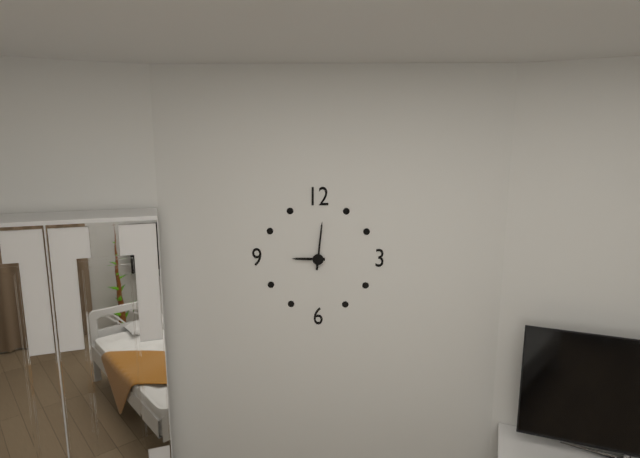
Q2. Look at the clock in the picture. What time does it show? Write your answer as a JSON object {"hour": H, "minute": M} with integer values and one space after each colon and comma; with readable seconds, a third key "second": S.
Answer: {"hour": 9, "minute": 1}
